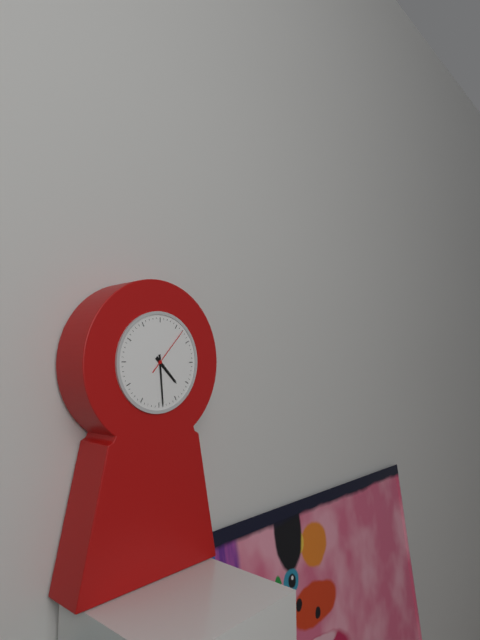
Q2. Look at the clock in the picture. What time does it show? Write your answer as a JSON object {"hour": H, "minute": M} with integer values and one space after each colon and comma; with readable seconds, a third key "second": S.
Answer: {"hour": 4, "minute": 29}
